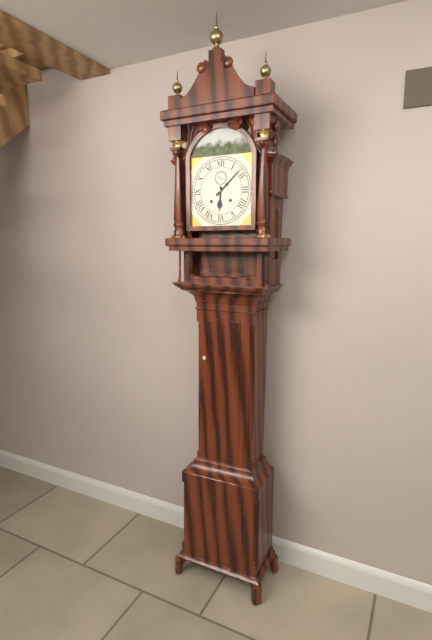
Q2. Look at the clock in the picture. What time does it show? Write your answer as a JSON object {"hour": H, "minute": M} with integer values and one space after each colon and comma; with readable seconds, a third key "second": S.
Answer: {"hour": 6, "minute": 8}
